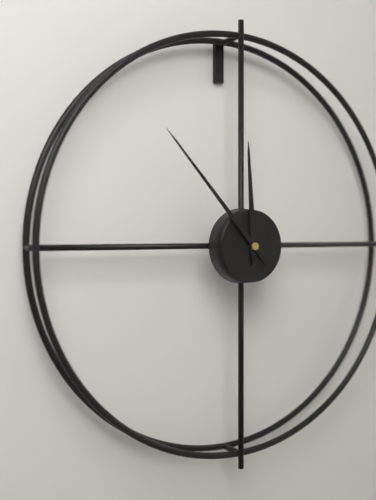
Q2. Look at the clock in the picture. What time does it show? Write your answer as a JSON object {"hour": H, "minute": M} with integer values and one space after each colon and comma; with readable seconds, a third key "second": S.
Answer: {"hour": 11, "minute": 53}
